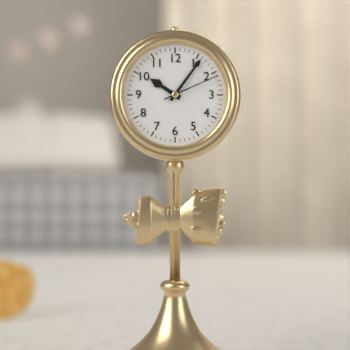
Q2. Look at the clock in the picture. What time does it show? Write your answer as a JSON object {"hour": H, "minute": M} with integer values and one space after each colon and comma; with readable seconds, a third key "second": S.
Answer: {"hour": 10, "minute": 6, "second": 11}
